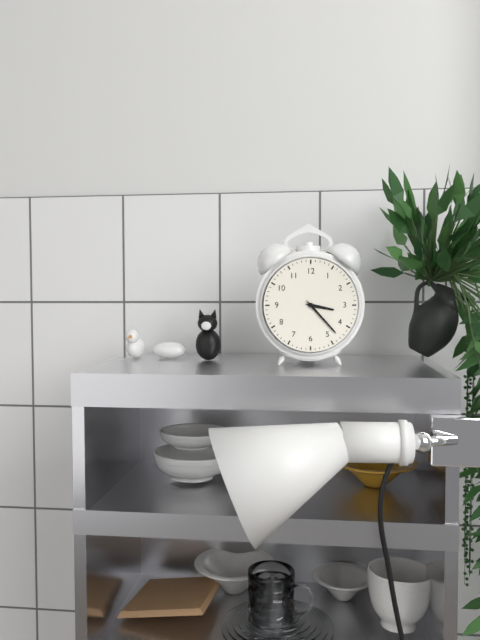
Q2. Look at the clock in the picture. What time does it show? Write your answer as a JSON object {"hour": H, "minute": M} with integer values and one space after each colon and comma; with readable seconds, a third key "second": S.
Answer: {"hour": 3, "minute": 23}
